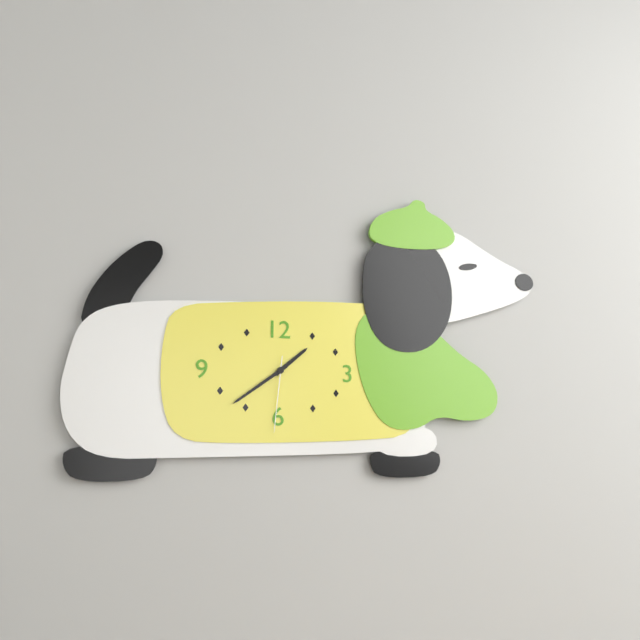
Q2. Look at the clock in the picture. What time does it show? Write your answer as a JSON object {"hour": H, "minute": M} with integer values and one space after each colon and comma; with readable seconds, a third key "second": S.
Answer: {"hour": 1, "minute": 39, "second": 31}
